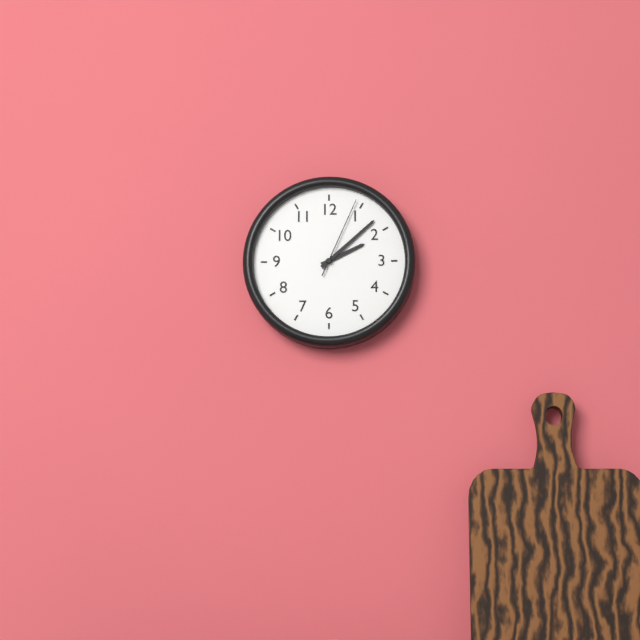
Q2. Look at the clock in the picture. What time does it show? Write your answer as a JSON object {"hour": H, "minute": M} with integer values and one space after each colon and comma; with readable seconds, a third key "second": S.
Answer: {"hour": 2, "minute": 8, "second": 4}
